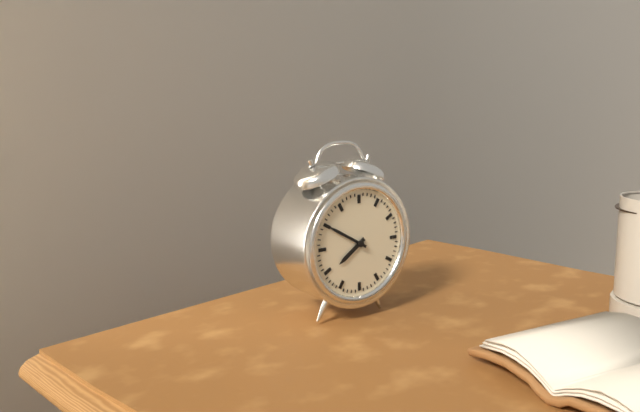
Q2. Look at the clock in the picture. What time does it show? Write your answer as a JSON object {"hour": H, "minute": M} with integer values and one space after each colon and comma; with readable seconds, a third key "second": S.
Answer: {"hour": 7, "minute": 50}
